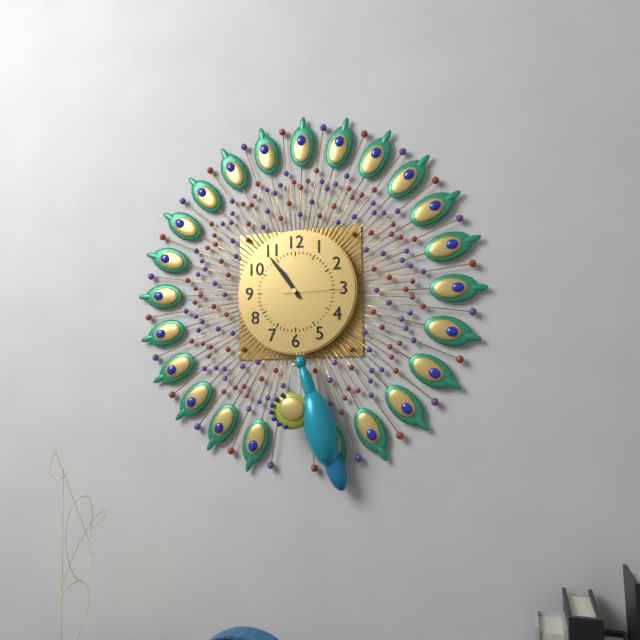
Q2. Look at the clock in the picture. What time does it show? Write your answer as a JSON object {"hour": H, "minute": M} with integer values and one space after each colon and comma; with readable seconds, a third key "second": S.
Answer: {"hour": 10, "minute": 54, "second": 15}
